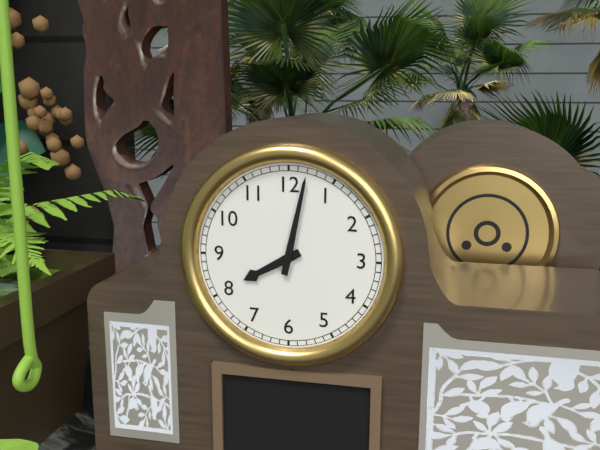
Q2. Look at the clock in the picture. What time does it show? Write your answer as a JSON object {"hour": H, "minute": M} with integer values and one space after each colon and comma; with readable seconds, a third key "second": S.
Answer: {"hour": 8, "minute": 2}
